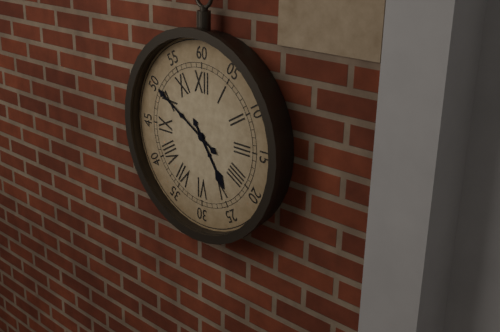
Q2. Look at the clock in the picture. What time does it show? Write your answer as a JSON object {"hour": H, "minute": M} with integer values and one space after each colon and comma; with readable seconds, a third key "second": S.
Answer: {"hour": 4, "minute": 50}
